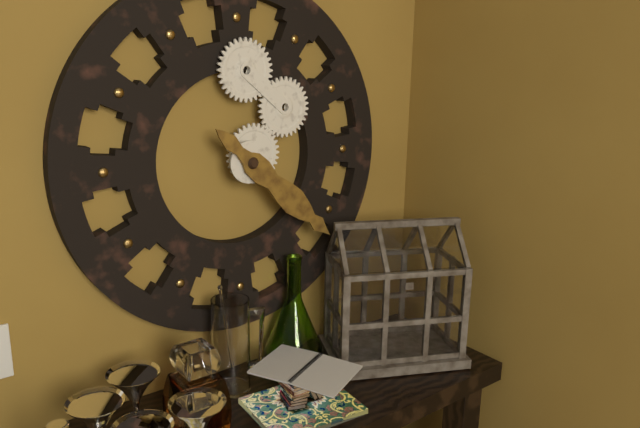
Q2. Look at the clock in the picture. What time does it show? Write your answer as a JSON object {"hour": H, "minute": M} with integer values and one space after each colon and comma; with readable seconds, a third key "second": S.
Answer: {"hour": 4, "minute": 22}
